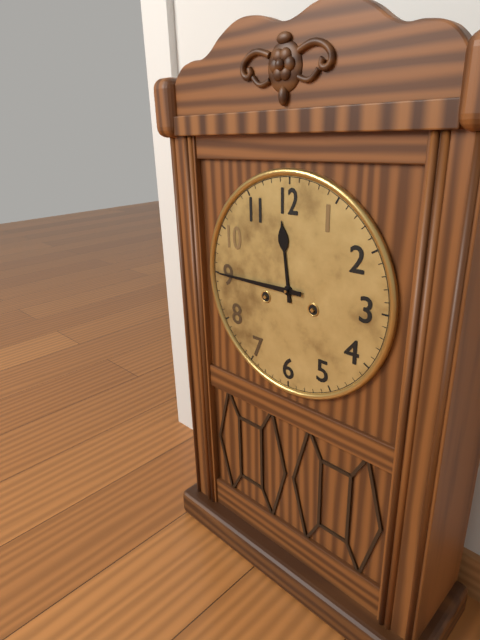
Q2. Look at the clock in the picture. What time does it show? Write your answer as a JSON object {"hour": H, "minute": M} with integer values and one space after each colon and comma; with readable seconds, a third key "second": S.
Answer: {"hour": 11, "minute": 45}
